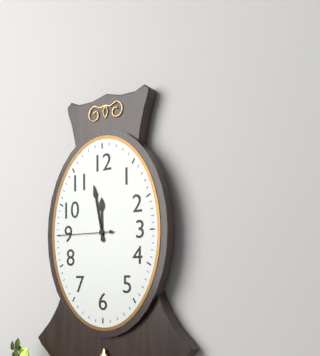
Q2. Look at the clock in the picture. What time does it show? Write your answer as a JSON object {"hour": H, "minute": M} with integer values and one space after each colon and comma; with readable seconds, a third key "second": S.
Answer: {"hour": 11, "minute": 58, "second": 45}
